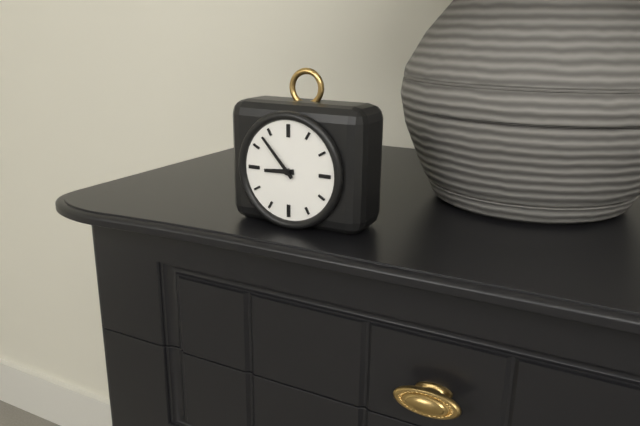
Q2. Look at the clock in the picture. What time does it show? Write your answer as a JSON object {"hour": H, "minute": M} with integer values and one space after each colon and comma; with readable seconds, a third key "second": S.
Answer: {"hour": 8, "minute": 53}
